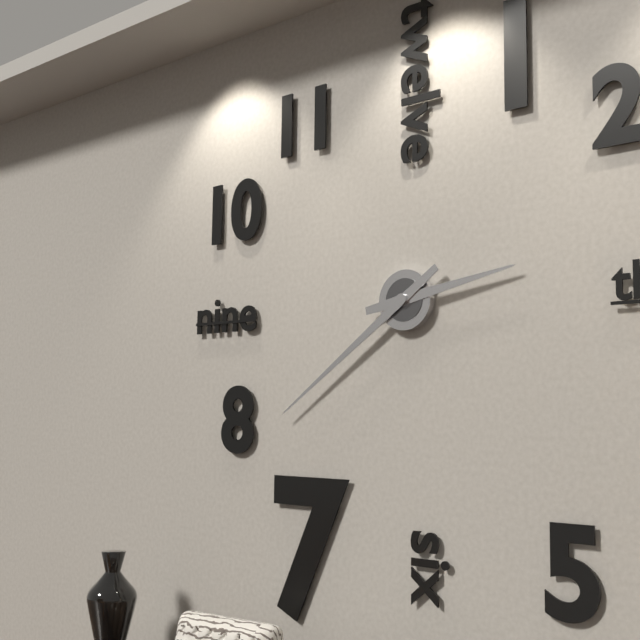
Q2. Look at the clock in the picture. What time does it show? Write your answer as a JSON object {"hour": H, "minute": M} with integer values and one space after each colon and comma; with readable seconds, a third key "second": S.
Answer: {"hour": 2, "minute": 39}
